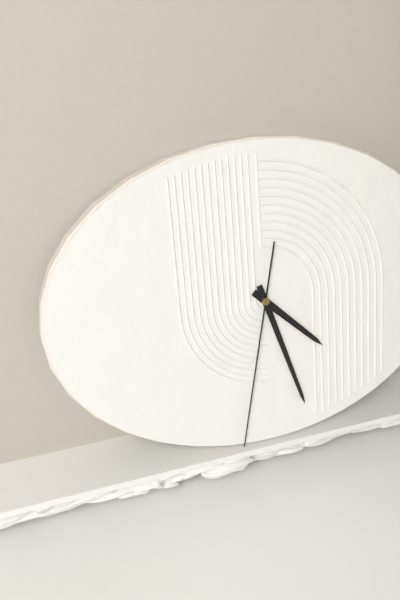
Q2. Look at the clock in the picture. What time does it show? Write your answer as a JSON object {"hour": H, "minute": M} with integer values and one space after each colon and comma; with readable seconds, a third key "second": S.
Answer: {"hour": 4, "minute": 27, "second": 32}
